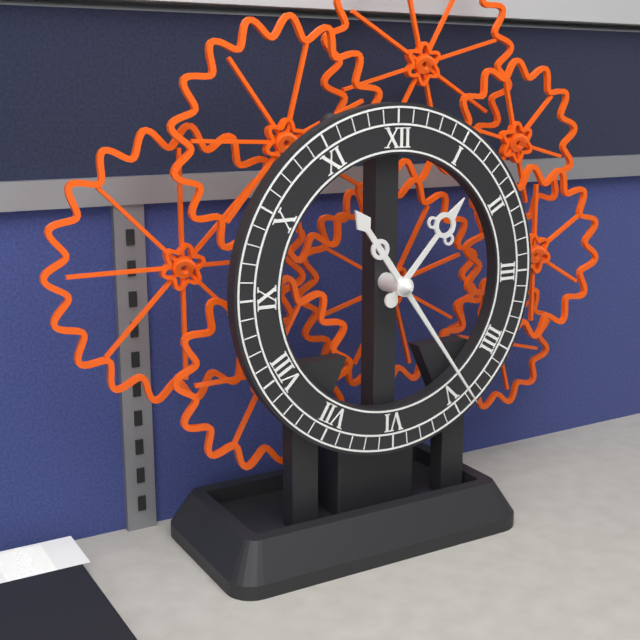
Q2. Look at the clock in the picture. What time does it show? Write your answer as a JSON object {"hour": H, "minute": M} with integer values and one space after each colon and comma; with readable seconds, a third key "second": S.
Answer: {"hour": 1, "minute": 24}
